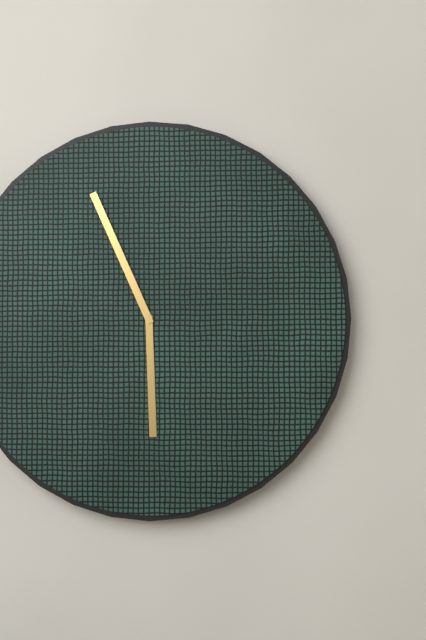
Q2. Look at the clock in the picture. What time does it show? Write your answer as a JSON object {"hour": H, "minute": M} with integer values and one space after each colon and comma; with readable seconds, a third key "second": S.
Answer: {"hour": 5, "minute": 56}
